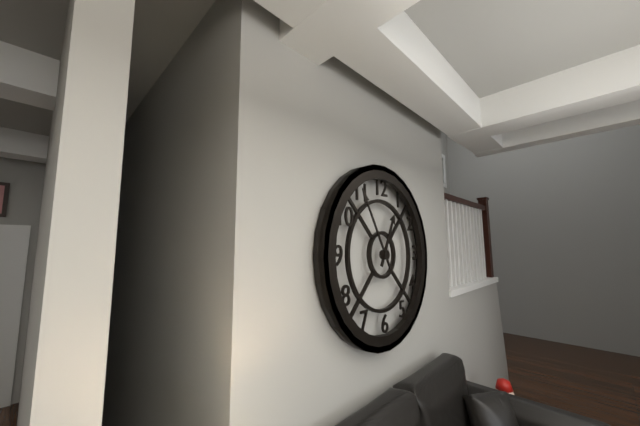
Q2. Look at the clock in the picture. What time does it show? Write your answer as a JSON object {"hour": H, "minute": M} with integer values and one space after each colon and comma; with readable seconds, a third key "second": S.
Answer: {"hour": 12, "minute": 55}
